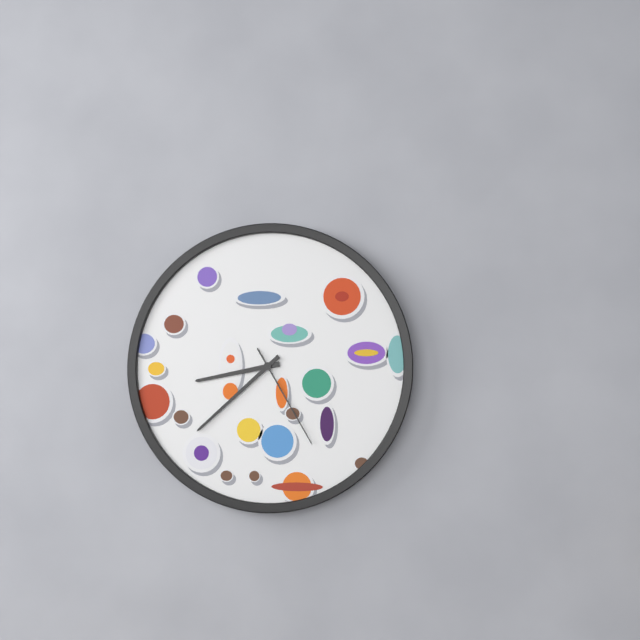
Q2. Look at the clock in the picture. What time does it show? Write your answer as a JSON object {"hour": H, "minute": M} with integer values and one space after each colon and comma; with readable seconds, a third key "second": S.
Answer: {"hour": 8, "minute": 38, "second": 25}
